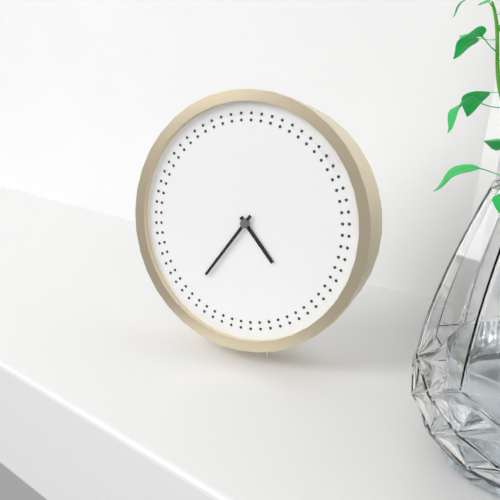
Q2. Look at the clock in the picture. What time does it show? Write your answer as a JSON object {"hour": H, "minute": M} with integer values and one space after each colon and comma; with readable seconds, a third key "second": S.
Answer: {"hour": 4, "minute": 36}
